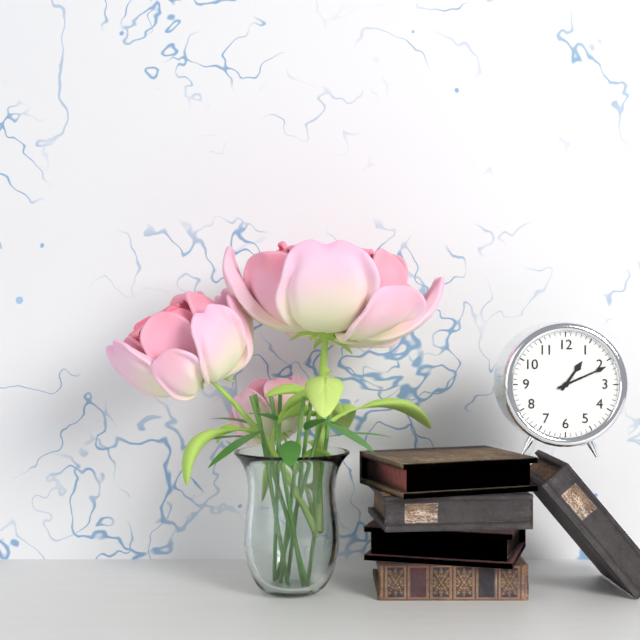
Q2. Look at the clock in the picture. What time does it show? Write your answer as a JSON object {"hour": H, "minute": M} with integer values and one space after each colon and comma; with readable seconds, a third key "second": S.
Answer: {"hour": 1, "minute": 11}
